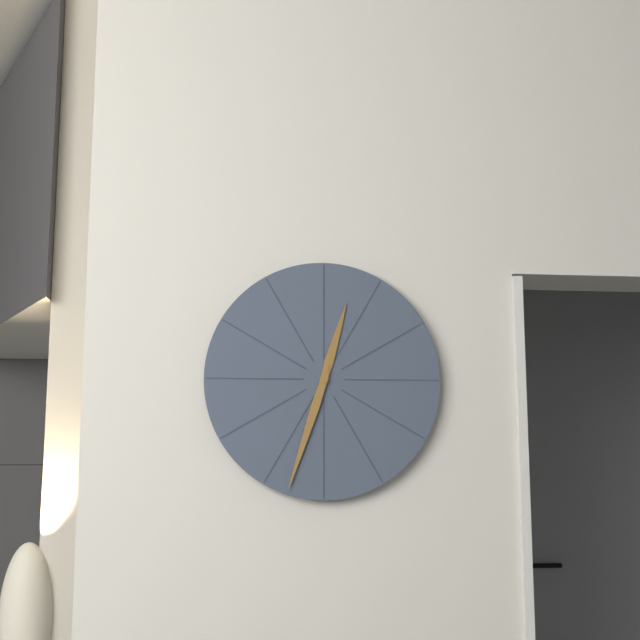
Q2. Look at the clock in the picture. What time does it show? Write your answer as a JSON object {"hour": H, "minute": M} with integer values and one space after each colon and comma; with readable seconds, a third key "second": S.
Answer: {"hour": 12, "minute": 33}
